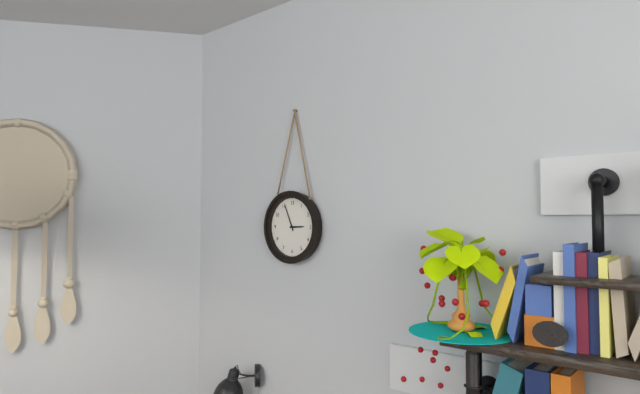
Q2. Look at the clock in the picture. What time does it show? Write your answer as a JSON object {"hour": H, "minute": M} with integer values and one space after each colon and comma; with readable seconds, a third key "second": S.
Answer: {"hour": 2, "minute": 56}
